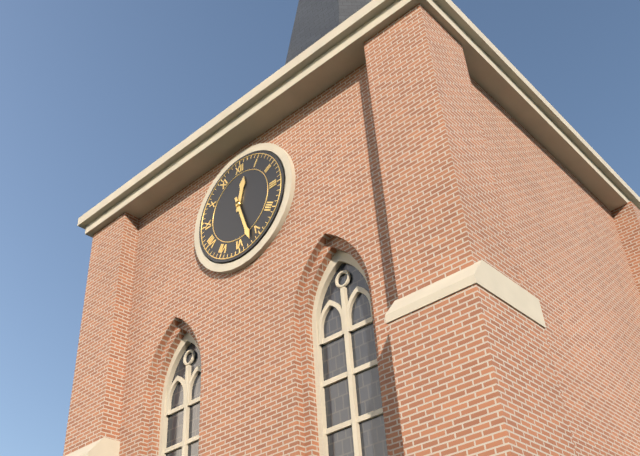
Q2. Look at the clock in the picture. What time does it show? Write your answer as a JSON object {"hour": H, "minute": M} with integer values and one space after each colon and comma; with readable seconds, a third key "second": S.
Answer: {"hour": 12, "minute": 27}
